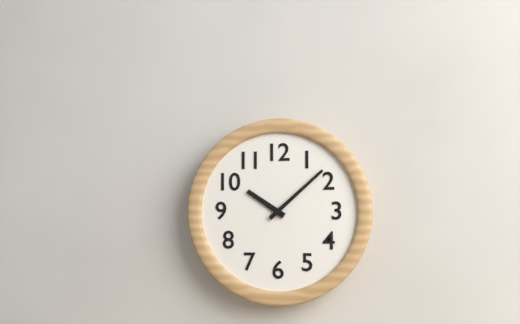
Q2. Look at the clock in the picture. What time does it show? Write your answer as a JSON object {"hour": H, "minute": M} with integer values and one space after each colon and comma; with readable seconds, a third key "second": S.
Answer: {"hour": 10, "minute": 8}
